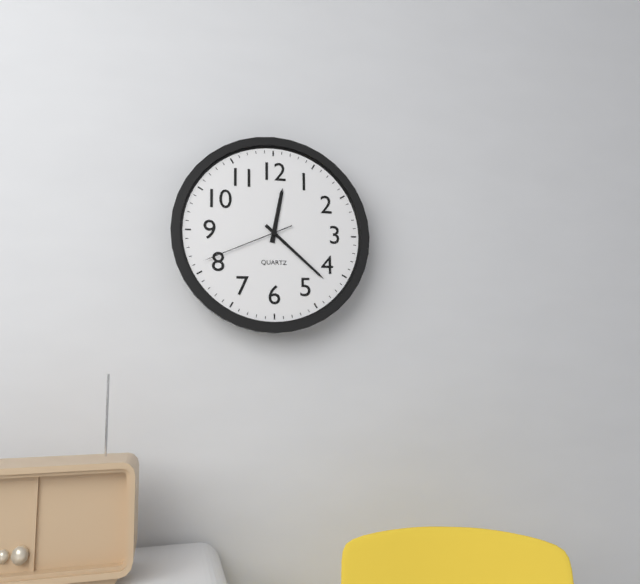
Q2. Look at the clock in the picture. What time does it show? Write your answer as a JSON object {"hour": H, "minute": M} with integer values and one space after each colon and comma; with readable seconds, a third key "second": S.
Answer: {"hour": 12, "minute": 22, "second": 41}
